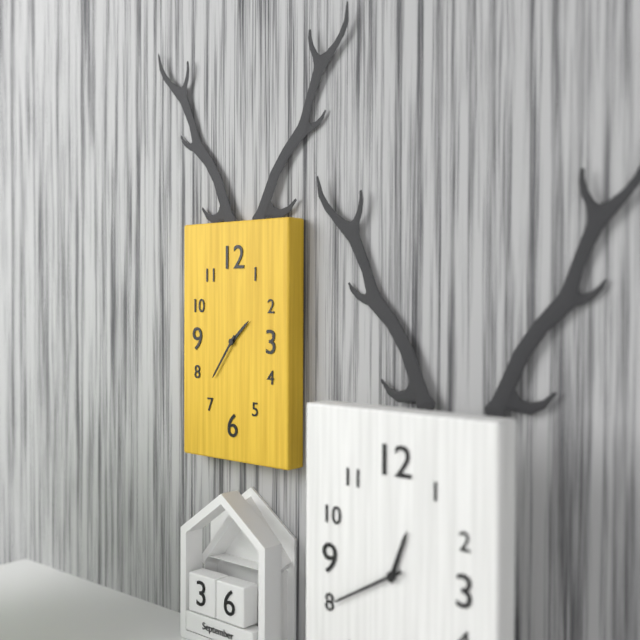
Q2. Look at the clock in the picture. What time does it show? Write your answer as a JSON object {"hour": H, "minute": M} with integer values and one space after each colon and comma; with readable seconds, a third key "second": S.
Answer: {"hour": 1, "minute": 36}
